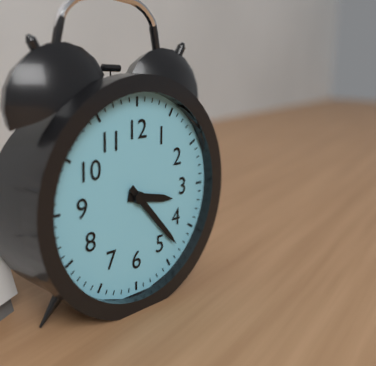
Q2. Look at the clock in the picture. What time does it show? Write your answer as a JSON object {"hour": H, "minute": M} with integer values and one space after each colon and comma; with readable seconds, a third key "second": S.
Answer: {"hour": 3, "minute": 23}
